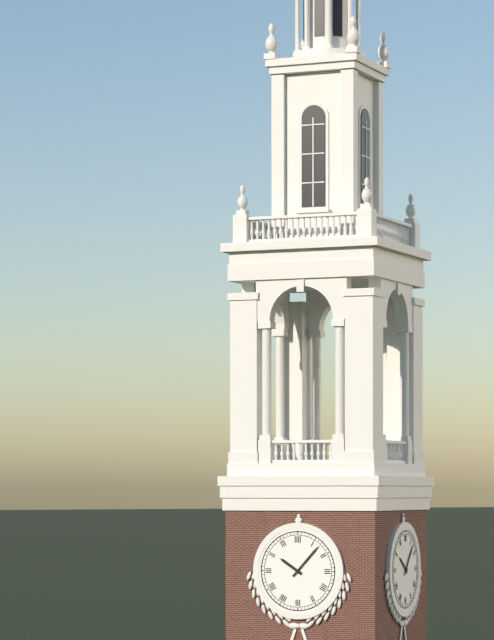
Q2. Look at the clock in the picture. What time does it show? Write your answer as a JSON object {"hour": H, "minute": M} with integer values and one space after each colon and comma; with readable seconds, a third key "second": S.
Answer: {"hour": 10, "minute": 7}
